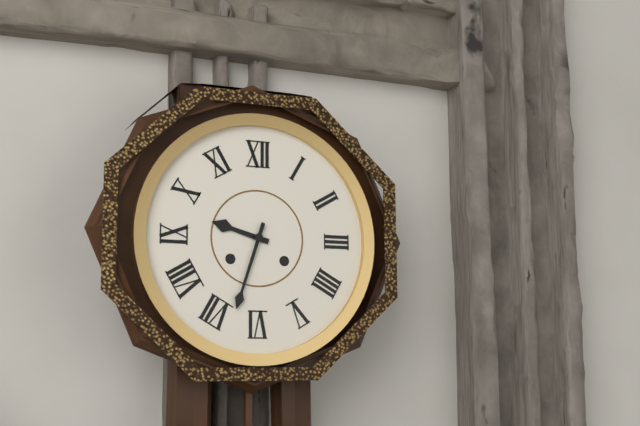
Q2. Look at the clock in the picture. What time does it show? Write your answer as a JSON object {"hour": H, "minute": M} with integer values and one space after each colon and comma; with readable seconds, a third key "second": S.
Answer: {"hour": 9, "minute": 33}
